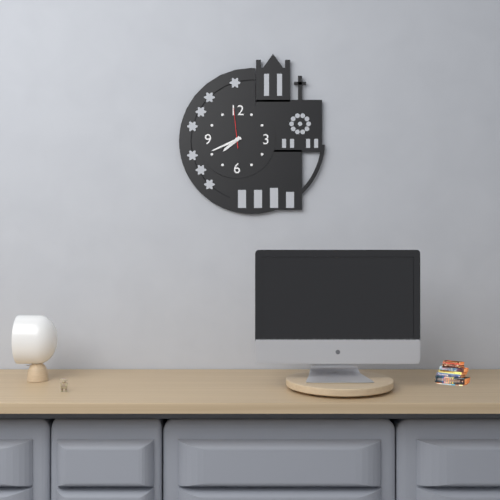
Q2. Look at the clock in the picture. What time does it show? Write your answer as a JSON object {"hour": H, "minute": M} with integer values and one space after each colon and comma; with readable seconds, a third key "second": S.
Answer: {"hour": 7, "minute": 41}
